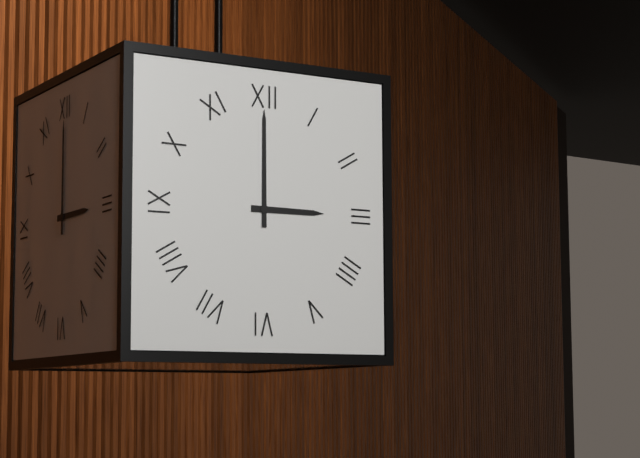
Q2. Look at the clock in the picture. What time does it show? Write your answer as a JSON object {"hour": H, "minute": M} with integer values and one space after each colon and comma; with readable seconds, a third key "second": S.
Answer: {"hour": 3, "minute": 0}
